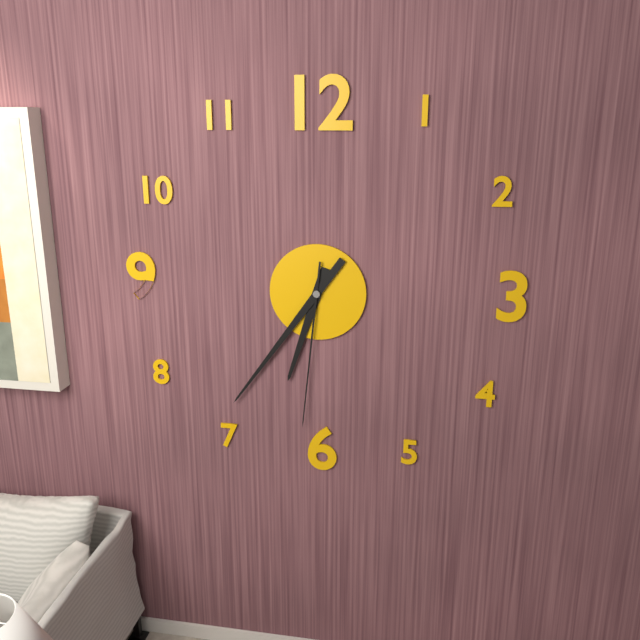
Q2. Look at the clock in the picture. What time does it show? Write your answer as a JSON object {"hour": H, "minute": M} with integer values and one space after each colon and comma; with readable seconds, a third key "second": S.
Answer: {"hour": 6, "minute": 36, "second": 31}
